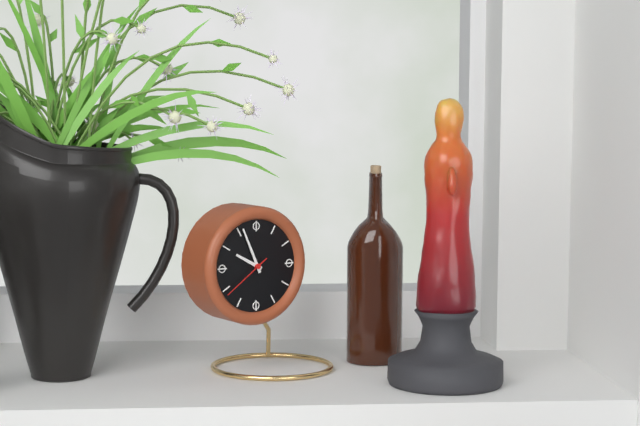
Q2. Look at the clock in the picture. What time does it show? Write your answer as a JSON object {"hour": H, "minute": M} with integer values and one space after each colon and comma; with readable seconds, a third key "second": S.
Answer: {"hour": 9, "minute": 56}
